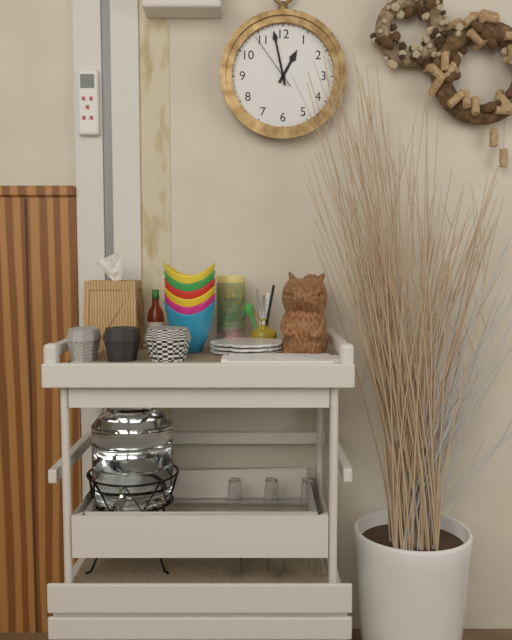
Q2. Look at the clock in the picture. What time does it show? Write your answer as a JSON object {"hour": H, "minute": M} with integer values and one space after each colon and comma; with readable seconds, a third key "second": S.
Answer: {"hour": 12, "minute": 58, "second": 54}
